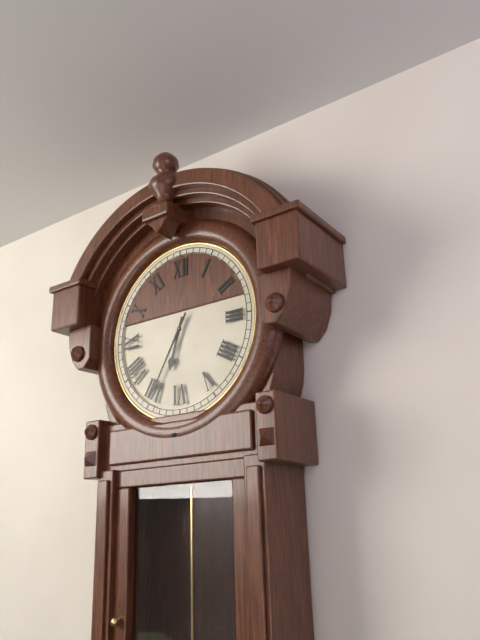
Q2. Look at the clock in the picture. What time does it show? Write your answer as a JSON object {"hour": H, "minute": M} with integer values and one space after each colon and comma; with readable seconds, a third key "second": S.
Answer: {"hour": 6, "minute": 35}
